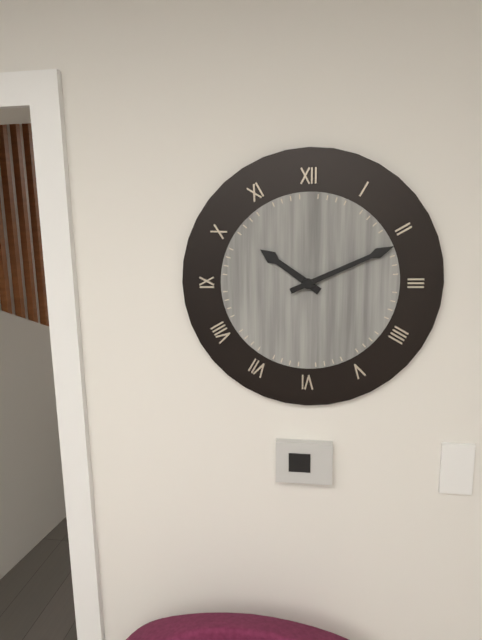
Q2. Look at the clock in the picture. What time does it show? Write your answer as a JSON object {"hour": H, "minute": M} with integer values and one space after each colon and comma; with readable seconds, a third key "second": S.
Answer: {"hour": 10, "minute": 11}
